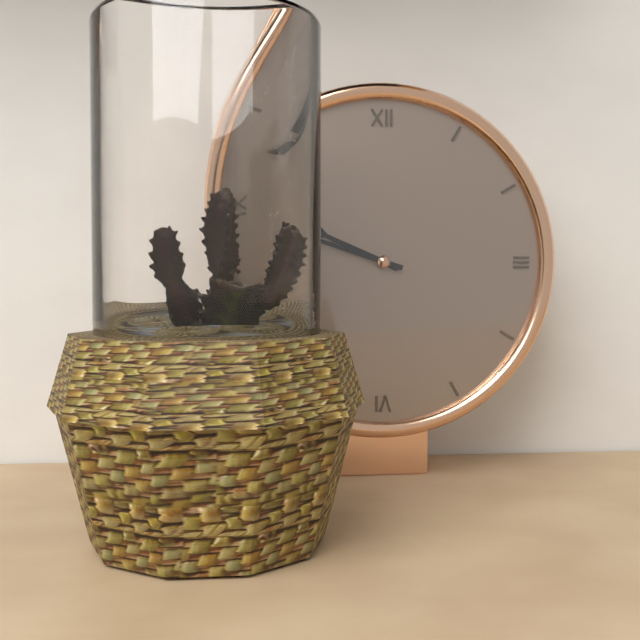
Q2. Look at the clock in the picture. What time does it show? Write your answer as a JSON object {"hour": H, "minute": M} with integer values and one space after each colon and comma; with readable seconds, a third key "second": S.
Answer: {"hour": 9, "minute": 48}
